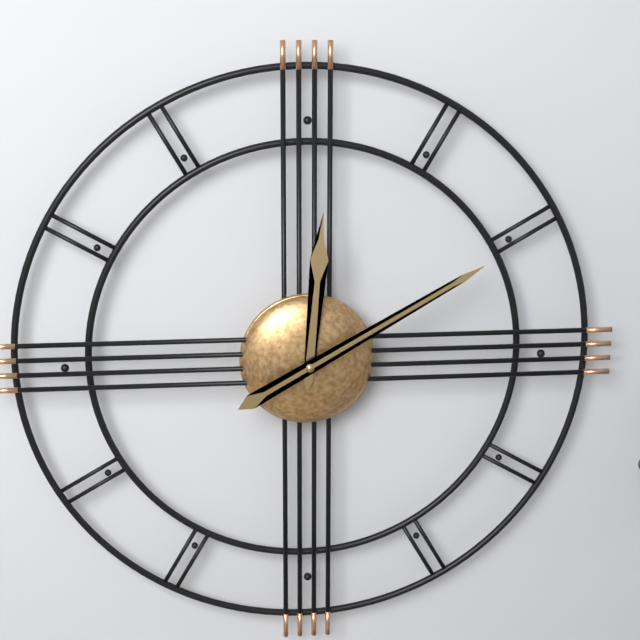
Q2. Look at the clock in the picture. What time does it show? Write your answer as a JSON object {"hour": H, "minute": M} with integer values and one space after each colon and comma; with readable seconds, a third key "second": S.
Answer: {"hour": 12, "minute": 10}
